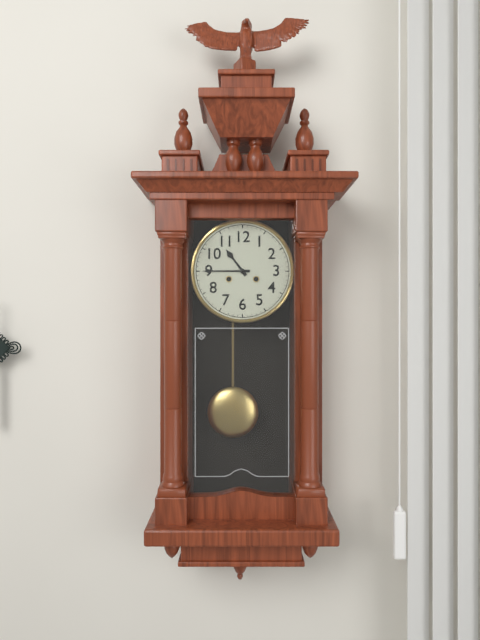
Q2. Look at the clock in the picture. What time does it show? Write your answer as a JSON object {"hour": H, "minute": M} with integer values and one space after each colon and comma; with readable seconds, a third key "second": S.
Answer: {"hour": 10, "minute": 45}
